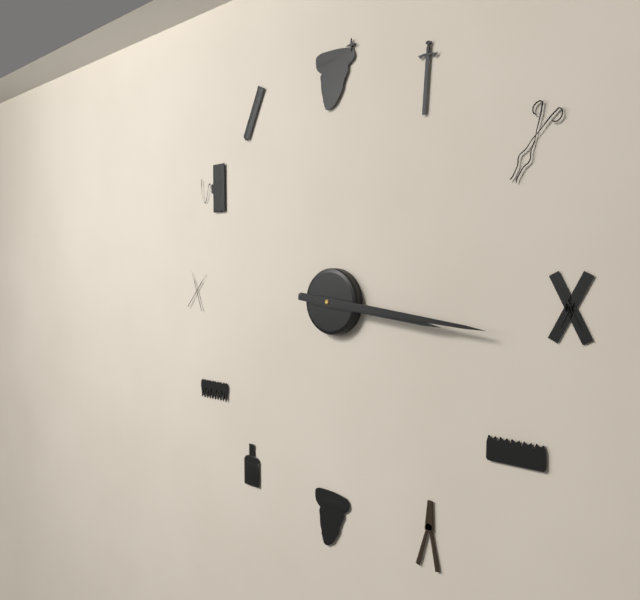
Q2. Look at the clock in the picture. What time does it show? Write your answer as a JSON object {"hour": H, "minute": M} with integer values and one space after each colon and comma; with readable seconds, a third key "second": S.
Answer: {"hour": 3, "minute": 16}
